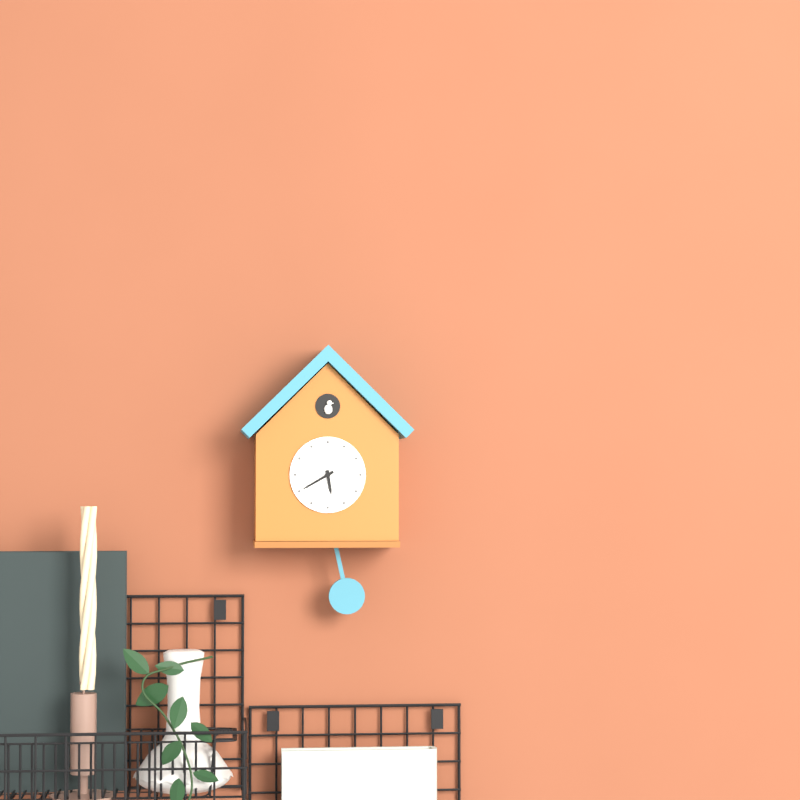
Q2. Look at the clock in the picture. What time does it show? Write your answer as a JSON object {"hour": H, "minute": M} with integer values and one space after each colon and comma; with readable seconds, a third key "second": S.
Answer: {"hour": 5, "minute": 40}
